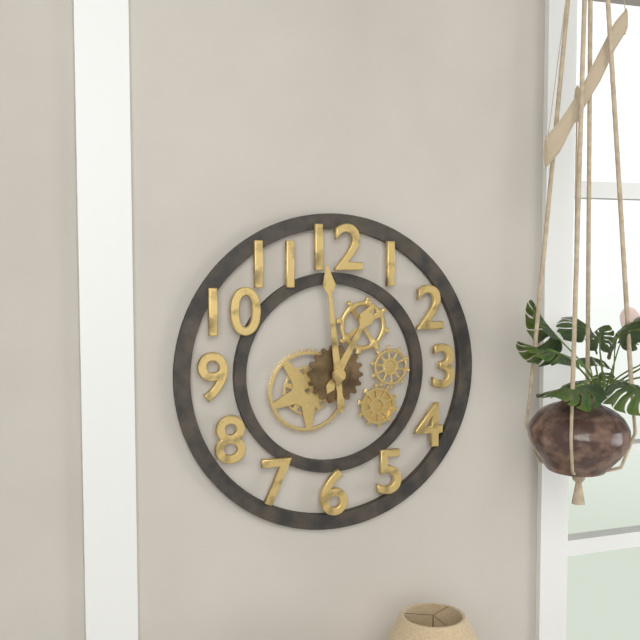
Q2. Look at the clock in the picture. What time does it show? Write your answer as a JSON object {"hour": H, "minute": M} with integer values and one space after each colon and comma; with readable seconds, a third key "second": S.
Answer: {"hour": 12, "minute": 59}
